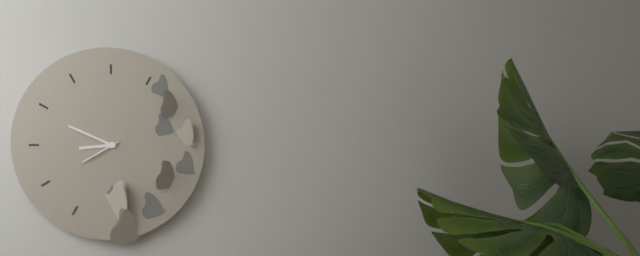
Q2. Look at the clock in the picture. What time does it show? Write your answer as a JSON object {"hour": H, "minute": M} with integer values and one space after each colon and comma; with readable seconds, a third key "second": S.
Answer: {"hour": 8, "minute": 49}
